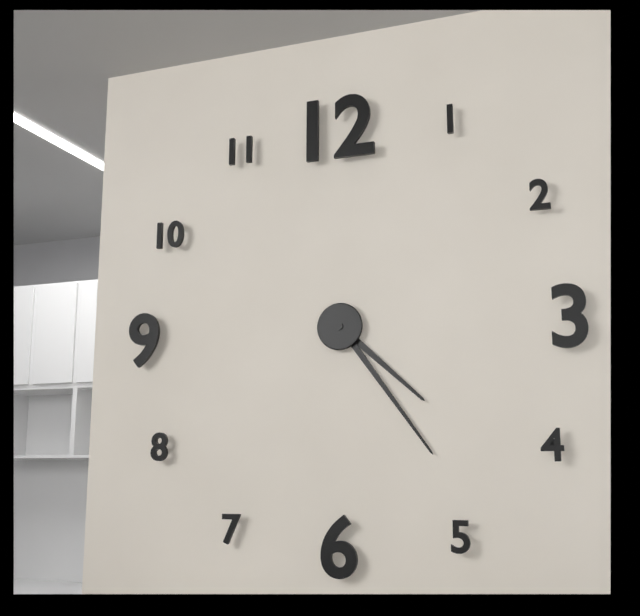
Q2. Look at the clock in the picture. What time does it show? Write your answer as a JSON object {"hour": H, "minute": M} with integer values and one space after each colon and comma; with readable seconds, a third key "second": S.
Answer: {"hour": 4, "minute": 24}
